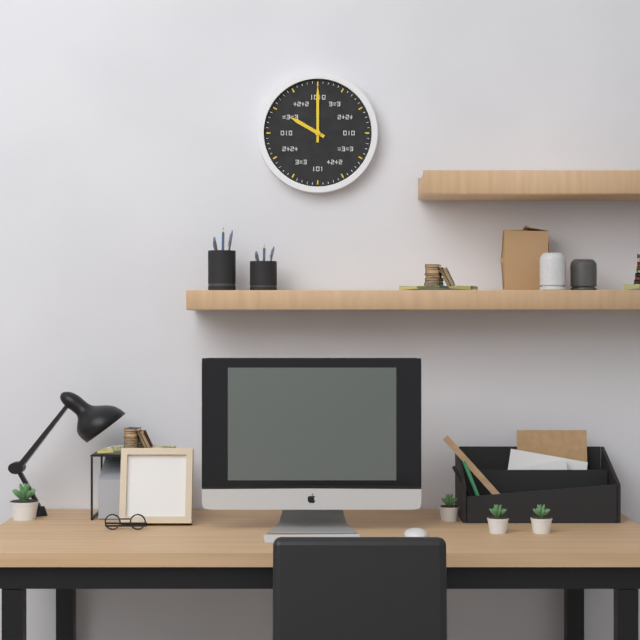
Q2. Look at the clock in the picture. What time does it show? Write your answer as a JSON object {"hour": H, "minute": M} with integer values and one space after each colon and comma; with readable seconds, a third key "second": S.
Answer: {"hour": 10, "minute": 0}
